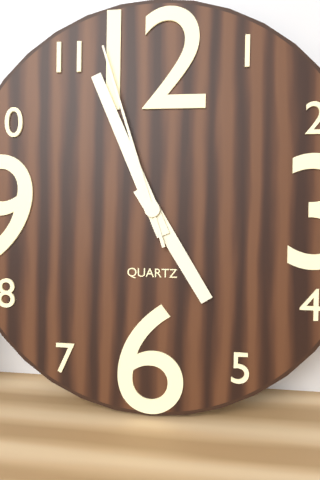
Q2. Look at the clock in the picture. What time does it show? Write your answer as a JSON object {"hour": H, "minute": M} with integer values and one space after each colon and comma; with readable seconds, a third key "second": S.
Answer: {"hour": 4, "minute": 56, "second": 57}
